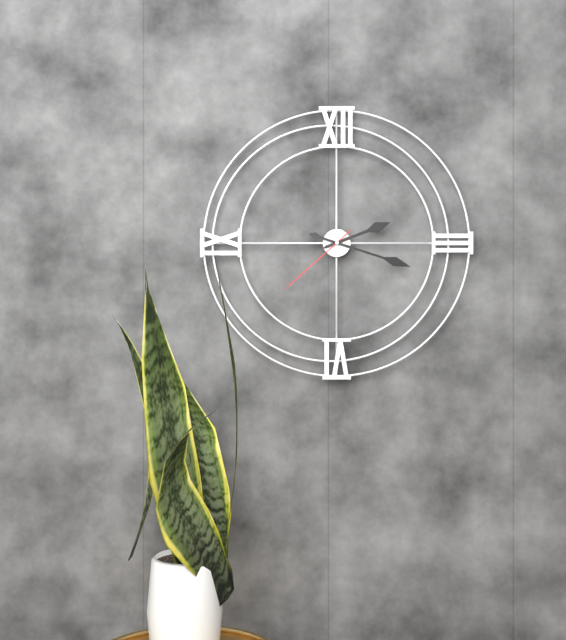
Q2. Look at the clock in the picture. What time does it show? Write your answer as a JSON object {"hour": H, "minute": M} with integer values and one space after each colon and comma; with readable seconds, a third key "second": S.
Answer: {"hour": 2, "minute": 18, "second": 38}
